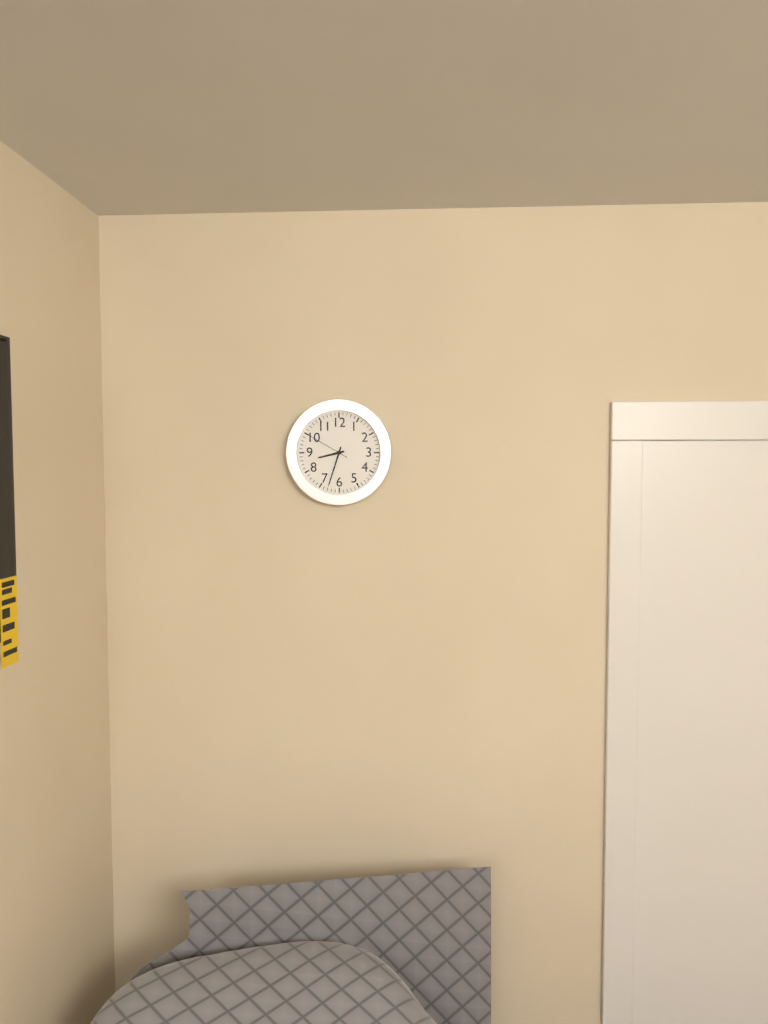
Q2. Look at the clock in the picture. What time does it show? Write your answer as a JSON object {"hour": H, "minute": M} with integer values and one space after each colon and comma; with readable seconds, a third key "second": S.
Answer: {"hour": 8, "minute": 33}
